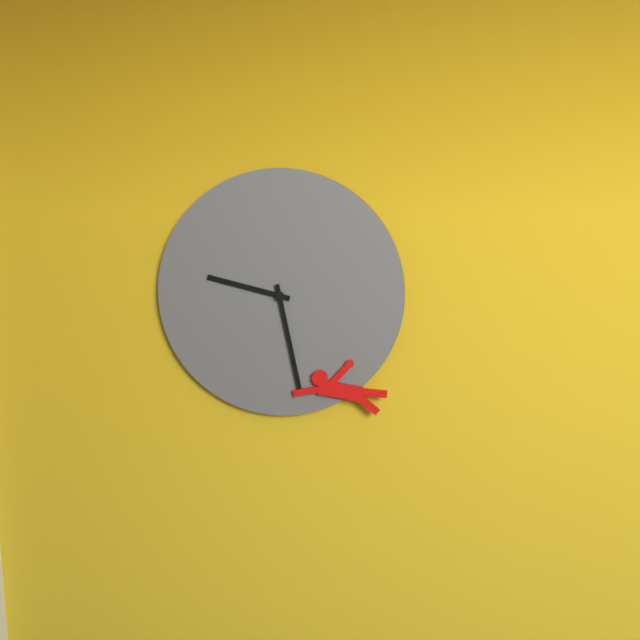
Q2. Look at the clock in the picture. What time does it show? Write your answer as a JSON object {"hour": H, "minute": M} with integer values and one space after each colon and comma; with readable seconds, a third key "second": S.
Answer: {"hour": 9, "minute": 28}
